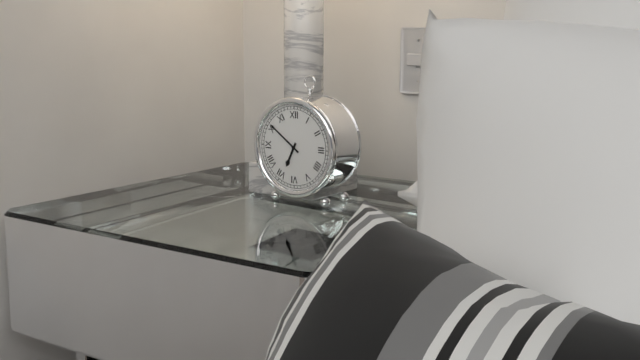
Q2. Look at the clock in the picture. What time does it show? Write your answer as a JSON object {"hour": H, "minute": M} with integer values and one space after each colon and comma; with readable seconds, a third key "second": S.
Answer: {"hour": 6, "minute": 51}
